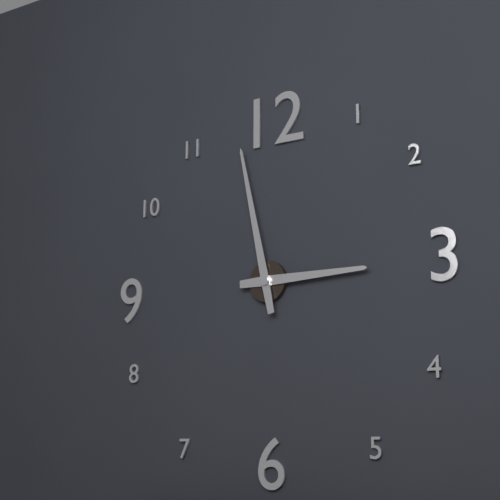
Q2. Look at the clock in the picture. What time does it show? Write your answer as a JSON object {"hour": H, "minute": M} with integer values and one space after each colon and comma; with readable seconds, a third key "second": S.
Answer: {"hour": 2, "minute": 58}
